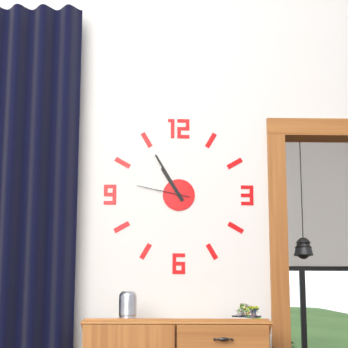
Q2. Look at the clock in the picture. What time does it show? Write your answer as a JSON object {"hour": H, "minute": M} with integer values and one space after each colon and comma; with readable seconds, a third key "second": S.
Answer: {"hour": 10, "minute": 55, "second": 47}
